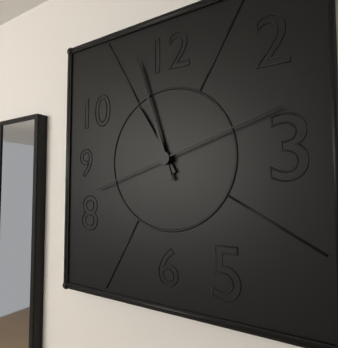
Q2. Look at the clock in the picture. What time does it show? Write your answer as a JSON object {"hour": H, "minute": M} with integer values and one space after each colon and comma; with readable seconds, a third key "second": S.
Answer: {"hour": 10, "minute": 57, "second": 12}
